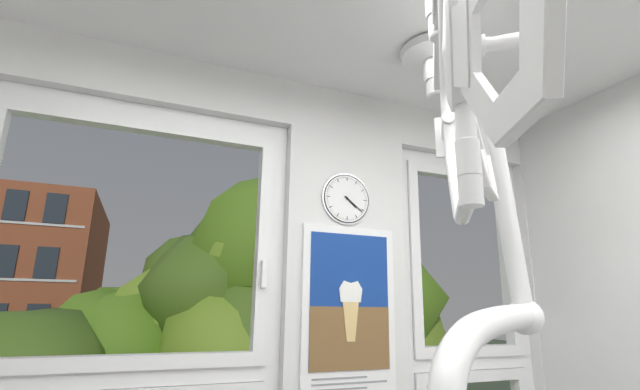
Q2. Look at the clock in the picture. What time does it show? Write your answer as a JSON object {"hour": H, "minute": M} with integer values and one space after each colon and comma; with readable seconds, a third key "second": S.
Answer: {"hour": 4, "minute": 21}
